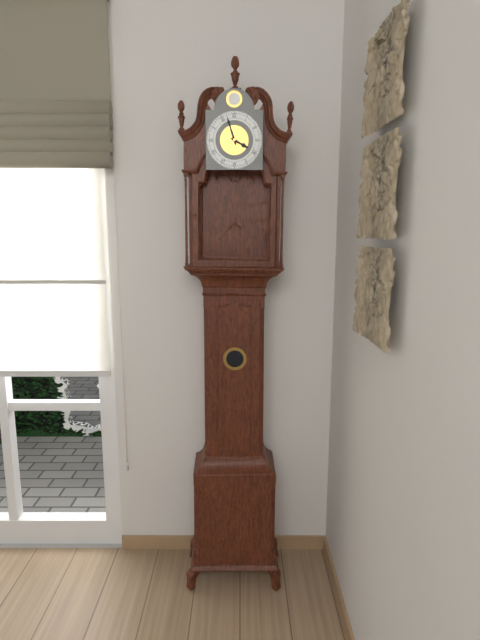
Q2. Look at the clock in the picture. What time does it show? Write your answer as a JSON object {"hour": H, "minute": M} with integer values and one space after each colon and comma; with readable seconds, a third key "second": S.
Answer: {"hour": 3, "minute": 57}
